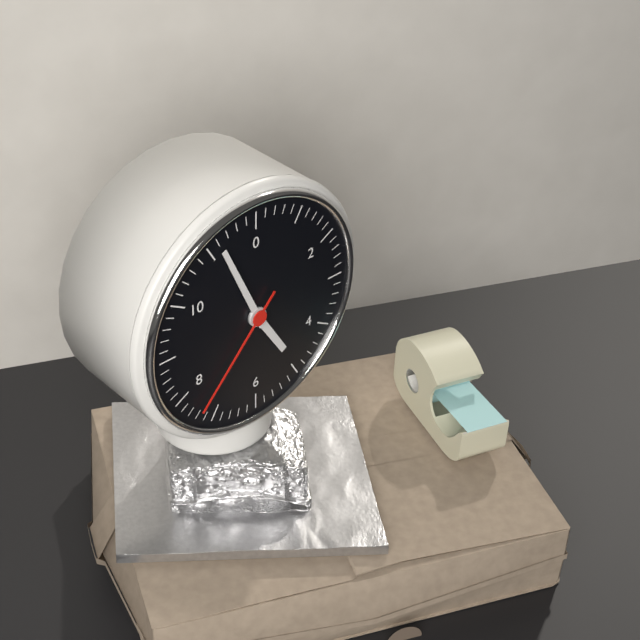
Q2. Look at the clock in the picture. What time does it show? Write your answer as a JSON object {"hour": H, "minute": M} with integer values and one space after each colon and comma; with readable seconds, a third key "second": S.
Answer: {"hour": 4, "minute": 56, "second": 37}
